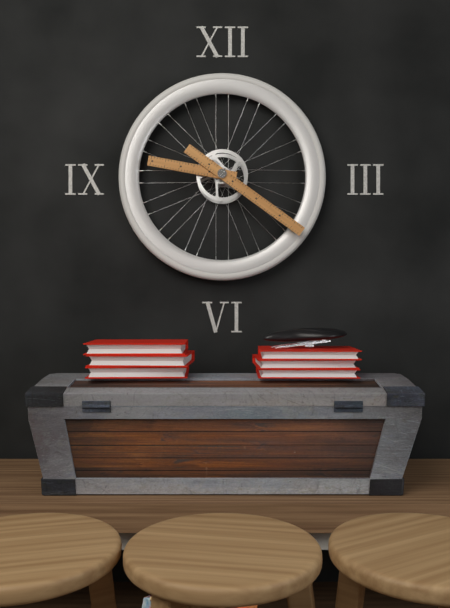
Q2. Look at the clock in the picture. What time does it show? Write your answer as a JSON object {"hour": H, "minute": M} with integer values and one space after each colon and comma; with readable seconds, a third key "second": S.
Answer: {"hour": 9, "minute": 21}
